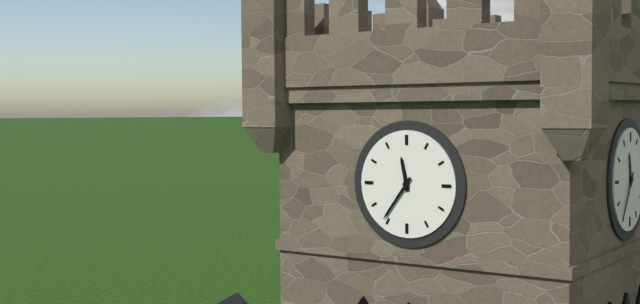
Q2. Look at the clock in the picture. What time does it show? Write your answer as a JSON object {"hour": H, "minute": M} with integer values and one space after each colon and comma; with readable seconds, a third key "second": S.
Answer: {"hour": 11, "minute": 36}
